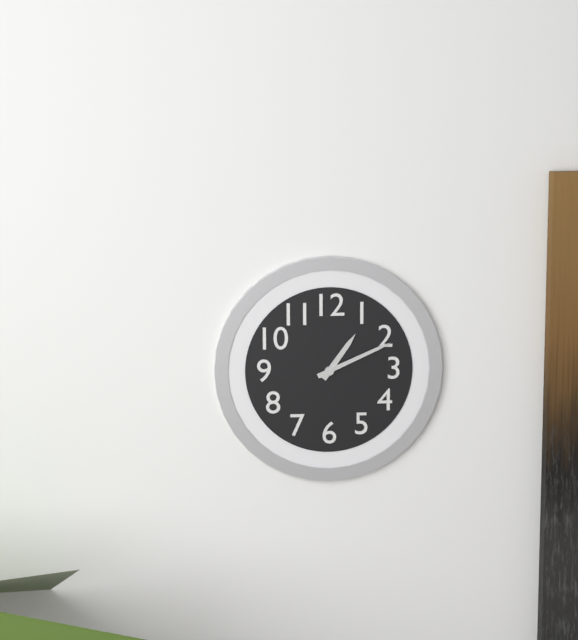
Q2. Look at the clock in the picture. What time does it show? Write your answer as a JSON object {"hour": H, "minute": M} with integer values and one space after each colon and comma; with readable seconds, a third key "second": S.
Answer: {"hour": 1, "minute": 11}
